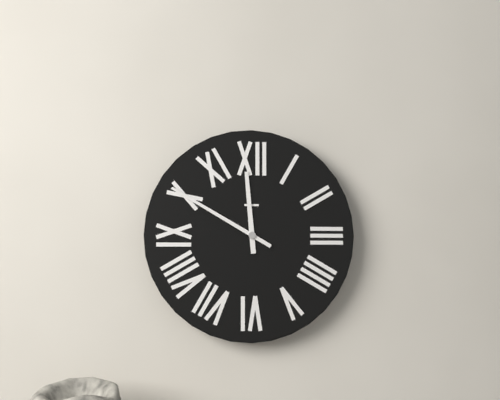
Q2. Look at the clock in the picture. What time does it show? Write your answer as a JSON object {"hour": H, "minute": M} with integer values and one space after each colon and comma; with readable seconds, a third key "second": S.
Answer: {"hour": 11, "minute": 50}
